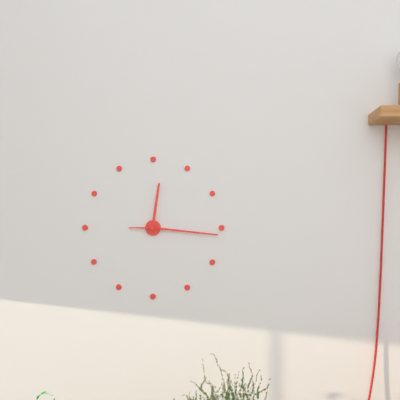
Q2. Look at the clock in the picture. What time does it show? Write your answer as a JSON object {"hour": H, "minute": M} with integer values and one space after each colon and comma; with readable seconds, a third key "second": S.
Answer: {"hour": 12, "minute": 16}
